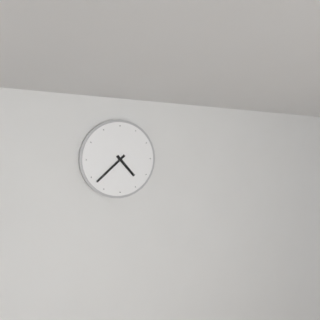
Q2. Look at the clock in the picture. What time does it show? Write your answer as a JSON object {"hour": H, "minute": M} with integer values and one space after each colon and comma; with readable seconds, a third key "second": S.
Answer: {"hour": 4, "minute": 38}
